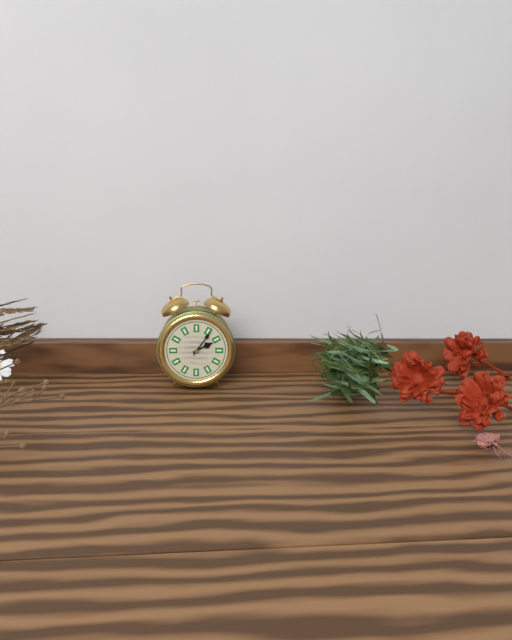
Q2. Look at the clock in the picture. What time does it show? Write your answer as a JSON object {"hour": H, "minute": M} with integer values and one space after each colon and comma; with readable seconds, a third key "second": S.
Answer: {"hour": 2, "minute": 6}
